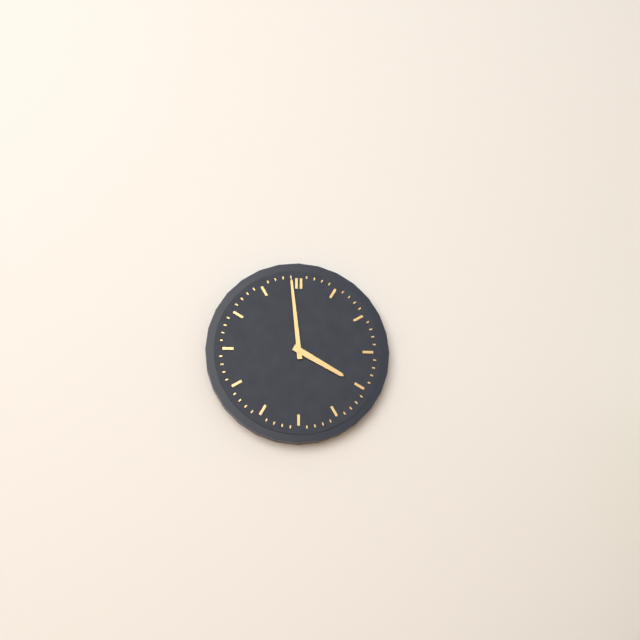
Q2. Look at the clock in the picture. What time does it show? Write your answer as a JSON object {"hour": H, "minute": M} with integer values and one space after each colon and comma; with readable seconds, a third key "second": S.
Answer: {"hour": 3, "minute": 59}
